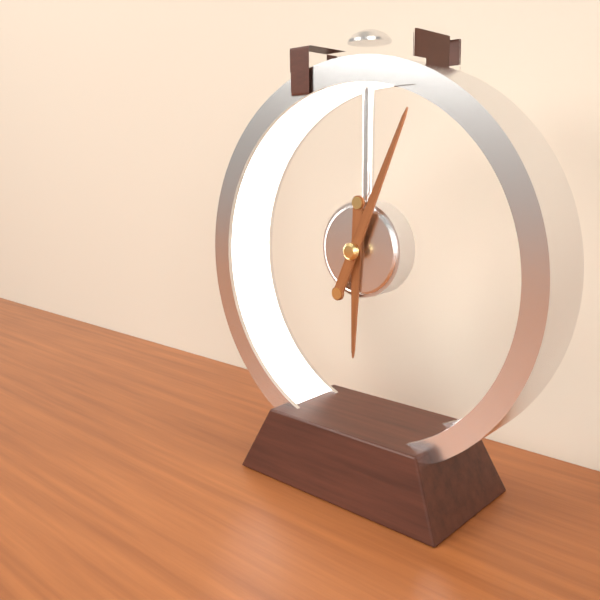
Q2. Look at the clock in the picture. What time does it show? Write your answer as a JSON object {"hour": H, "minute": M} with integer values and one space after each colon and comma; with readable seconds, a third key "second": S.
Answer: {"hour": 6, "minute": 4}
